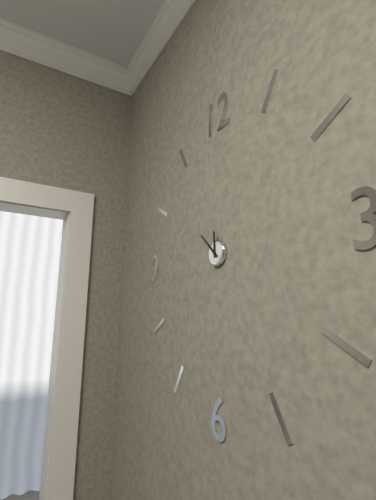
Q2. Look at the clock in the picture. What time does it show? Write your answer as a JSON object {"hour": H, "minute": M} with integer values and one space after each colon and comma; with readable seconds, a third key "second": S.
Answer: {"hour": 11, "minute": 52}
